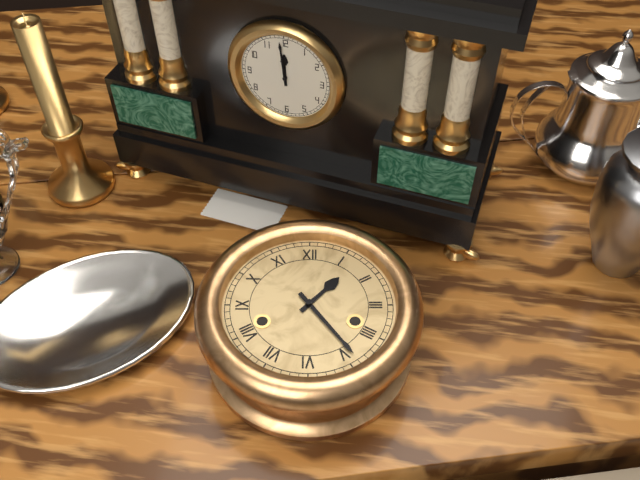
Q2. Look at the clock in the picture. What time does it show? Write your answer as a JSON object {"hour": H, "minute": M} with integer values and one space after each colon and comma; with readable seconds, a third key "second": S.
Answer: {"hour": 1, "minute": 24}
